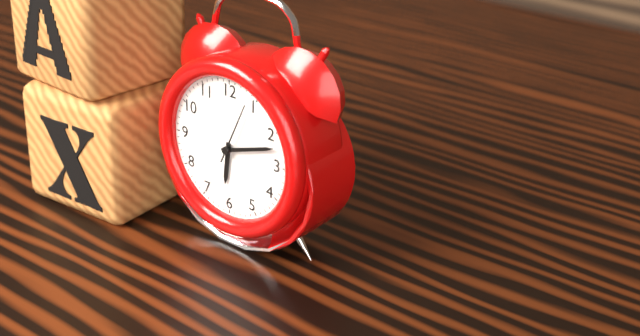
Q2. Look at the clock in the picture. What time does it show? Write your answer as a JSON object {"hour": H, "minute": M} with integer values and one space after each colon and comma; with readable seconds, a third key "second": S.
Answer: {"hour": 6, "minute": 12, "second": 4}
